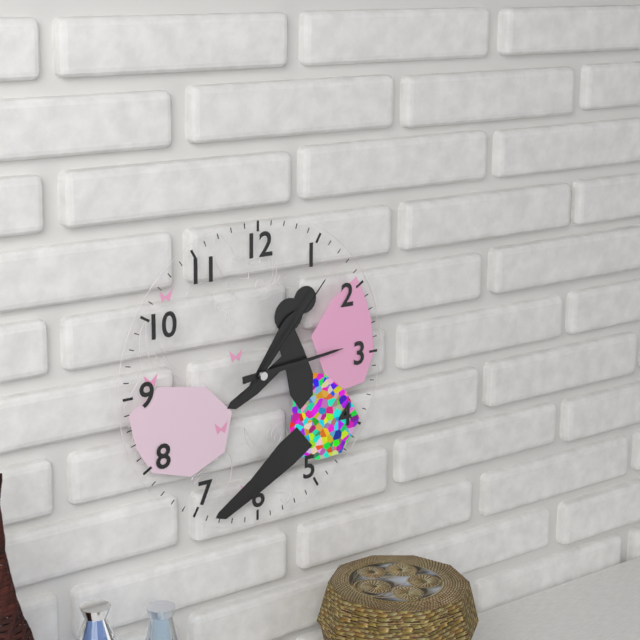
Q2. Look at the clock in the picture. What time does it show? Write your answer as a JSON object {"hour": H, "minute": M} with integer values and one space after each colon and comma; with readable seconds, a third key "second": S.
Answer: {"hour": 1, "minute": 14, "second": 7}
